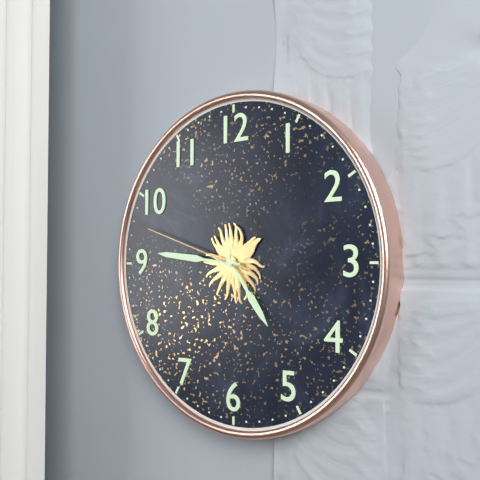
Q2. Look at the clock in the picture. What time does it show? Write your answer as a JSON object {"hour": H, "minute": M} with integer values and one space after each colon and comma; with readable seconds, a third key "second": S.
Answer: {"hour": 4, "minute": 46, "second": 48}
